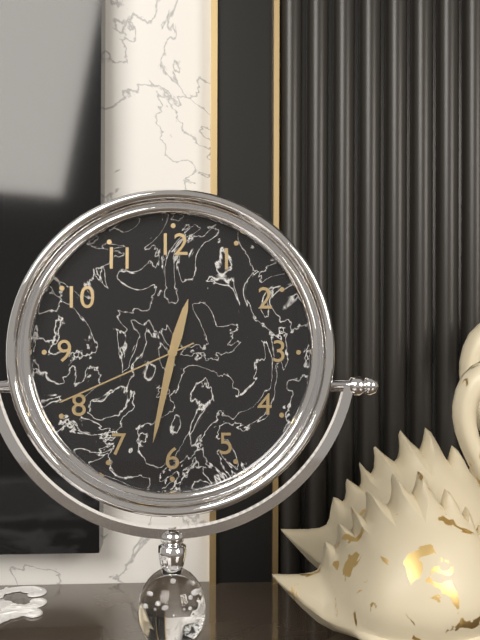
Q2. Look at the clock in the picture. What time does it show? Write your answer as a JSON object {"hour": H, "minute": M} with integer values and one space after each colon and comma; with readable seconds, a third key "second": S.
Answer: {"hour": 12, "minute": 32, "second": 41}
